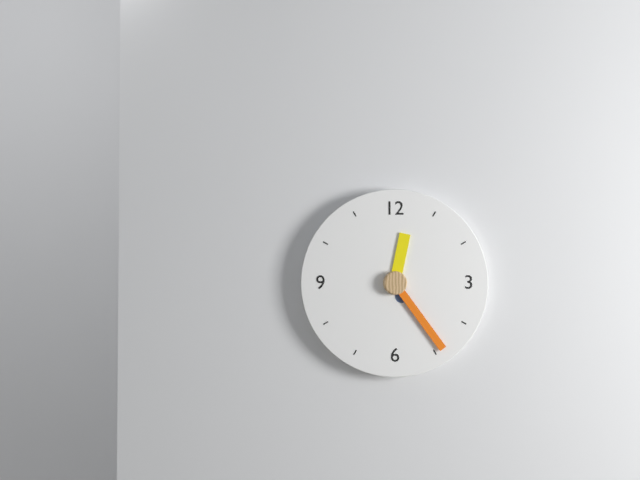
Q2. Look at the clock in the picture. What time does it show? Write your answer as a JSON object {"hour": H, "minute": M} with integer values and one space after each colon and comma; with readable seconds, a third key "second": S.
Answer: {"hour": 12, "minute": 24}
